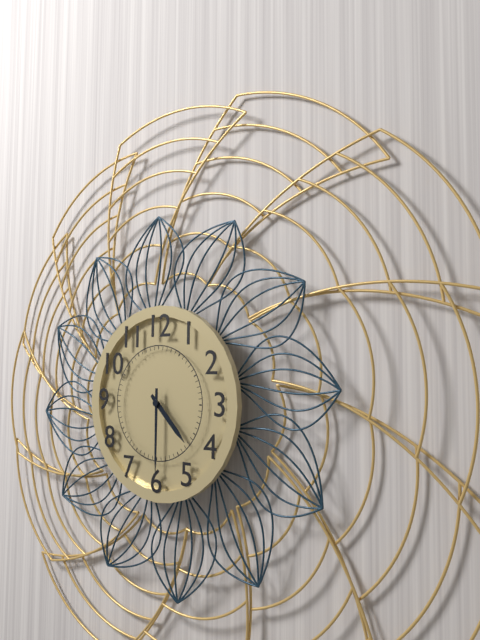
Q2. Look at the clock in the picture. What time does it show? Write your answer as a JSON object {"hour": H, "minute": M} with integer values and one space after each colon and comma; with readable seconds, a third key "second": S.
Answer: {"hour": 4, "minute": 30}
